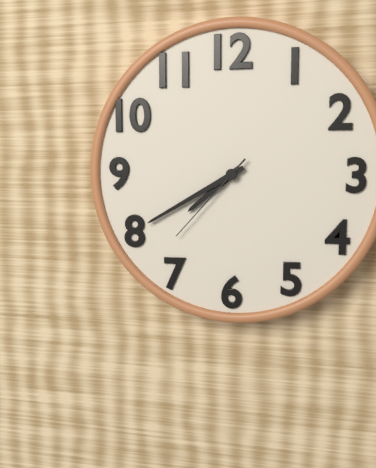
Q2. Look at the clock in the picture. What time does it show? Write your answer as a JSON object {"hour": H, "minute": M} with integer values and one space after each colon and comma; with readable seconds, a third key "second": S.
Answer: {"hour": 7, "minute": 40, "second": 37}
